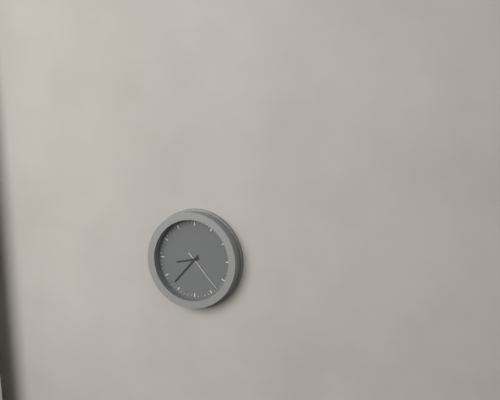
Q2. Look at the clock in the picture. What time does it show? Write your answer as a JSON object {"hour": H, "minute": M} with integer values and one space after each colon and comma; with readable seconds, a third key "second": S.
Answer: {"hour": 8, "minute": 37}
